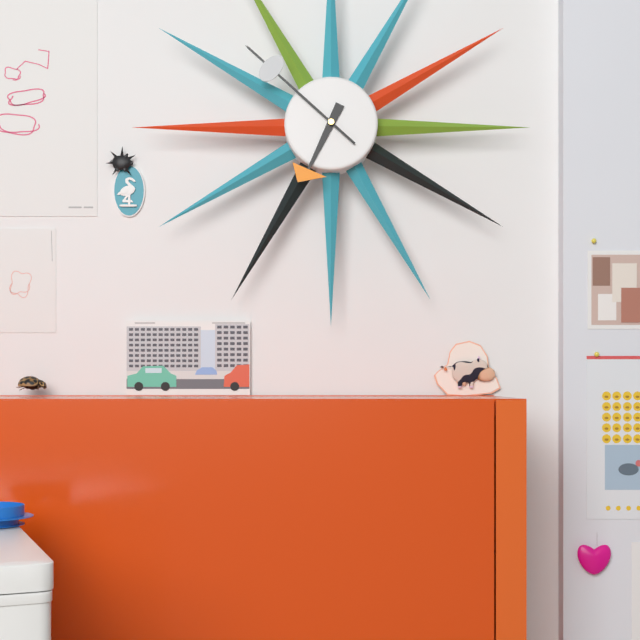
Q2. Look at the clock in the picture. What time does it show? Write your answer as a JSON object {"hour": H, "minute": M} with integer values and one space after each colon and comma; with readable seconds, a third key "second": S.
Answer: {"hour": 6, "minute": 52}
